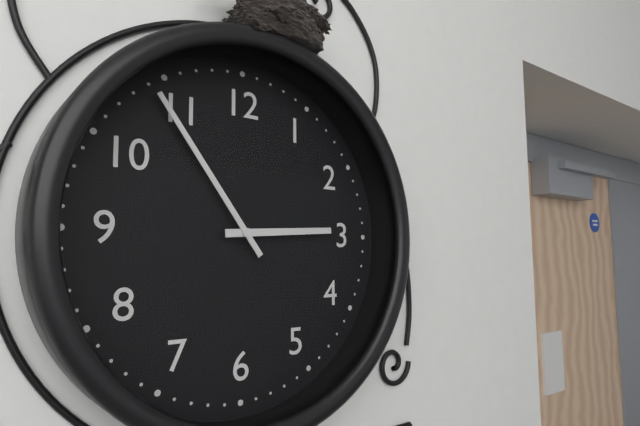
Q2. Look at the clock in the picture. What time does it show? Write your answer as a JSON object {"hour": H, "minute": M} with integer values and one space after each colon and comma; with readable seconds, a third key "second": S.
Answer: {"hour": 2, "minute": 54}
